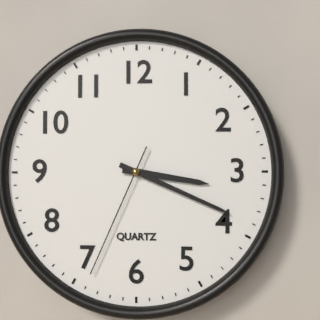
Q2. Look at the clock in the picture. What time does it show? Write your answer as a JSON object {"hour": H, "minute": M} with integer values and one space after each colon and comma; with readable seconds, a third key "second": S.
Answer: {"hour": 3, "minute": 19, "second": 34}
